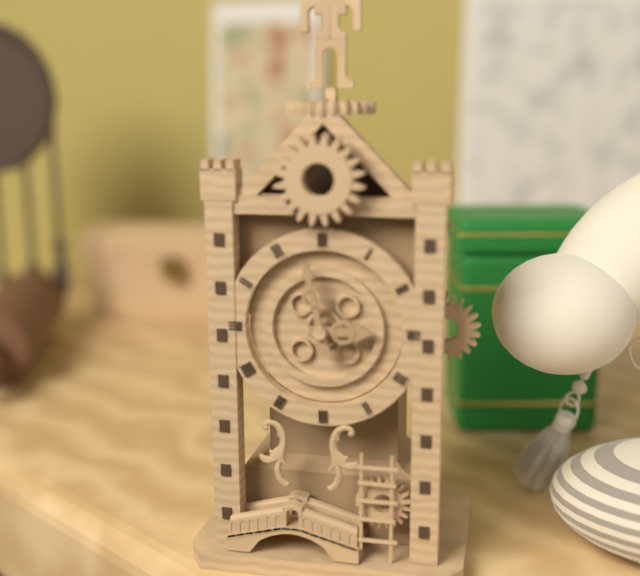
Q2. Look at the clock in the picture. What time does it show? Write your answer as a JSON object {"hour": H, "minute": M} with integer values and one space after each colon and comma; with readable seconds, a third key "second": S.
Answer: {"hour": 2, "minute": 58}
